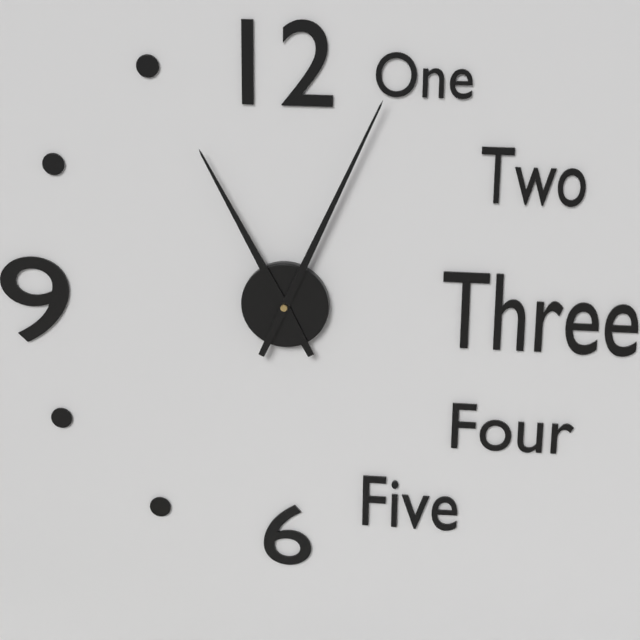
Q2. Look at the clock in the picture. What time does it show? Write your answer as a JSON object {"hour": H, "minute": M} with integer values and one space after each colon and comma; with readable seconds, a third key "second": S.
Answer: {"hour": 11, "minute": 4}
